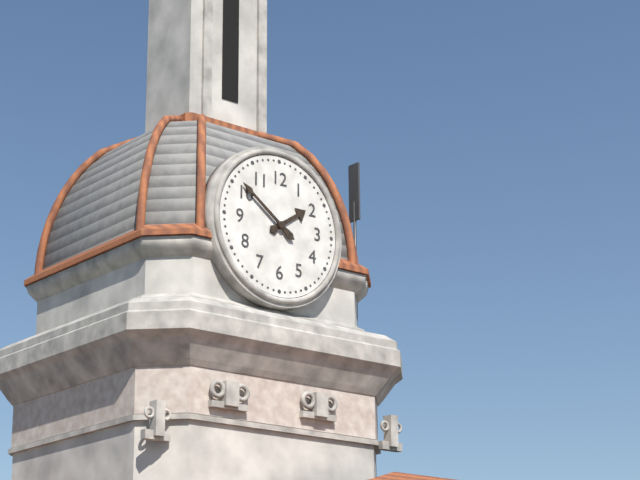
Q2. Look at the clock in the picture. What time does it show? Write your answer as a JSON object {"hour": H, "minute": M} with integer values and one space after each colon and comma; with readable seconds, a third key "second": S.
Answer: {"hour": 1, "minute": 51}
